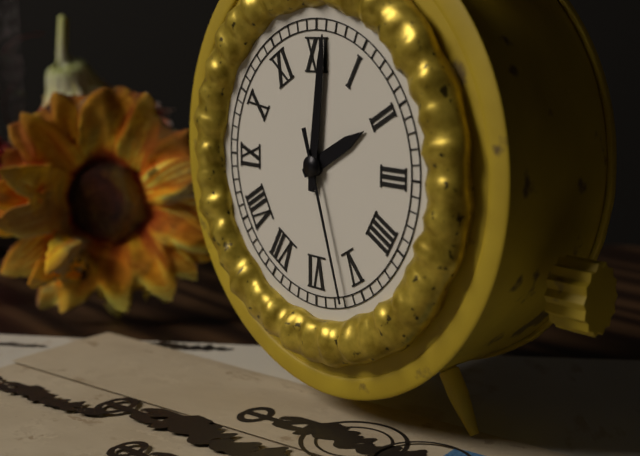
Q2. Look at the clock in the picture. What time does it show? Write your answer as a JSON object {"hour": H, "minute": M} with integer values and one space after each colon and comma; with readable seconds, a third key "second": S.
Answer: {"hour": 2, "minute": 1, "second": 27}
